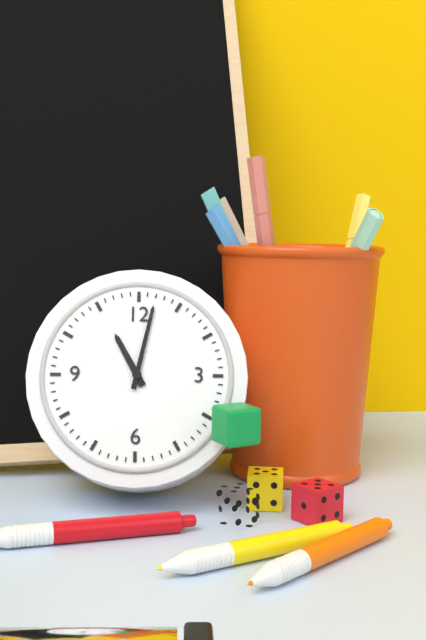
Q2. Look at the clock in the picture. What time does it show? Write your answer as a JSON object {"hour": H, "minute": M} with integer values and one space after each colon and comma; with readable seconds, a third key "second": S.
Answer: {"hour": 11, "minute": 2}
